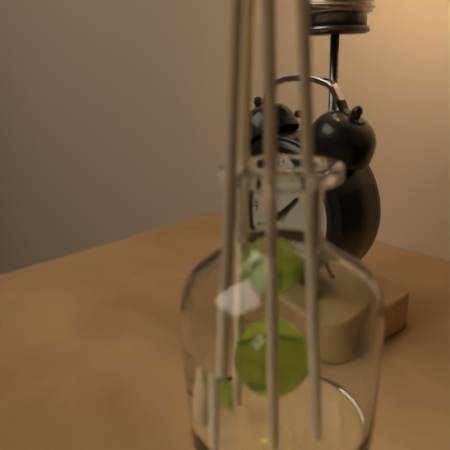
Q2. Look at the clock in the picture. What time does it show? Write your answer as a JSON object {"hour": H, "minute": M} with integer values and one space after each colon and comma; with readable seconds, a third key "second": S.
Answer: {"hour": 1, "minute": 40}
